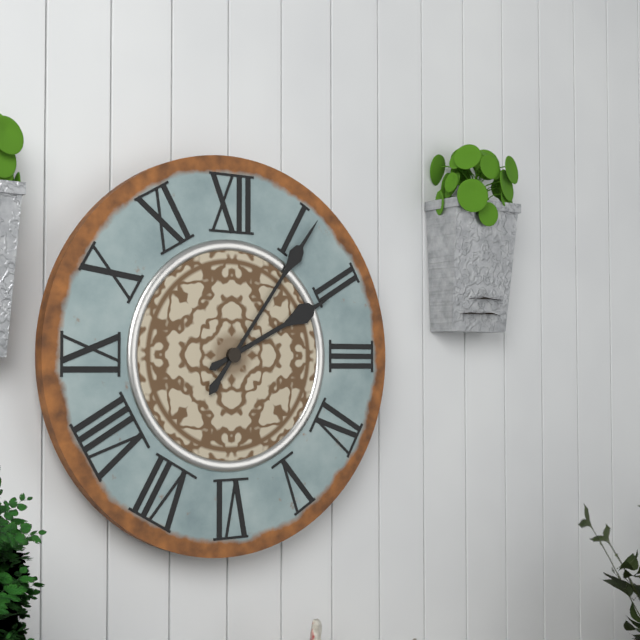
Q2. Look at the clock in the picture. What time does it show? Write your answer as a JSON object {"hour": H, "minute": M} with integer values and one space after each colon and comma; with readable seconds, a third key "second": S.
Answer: {"hour": 2, "minute": 6}
